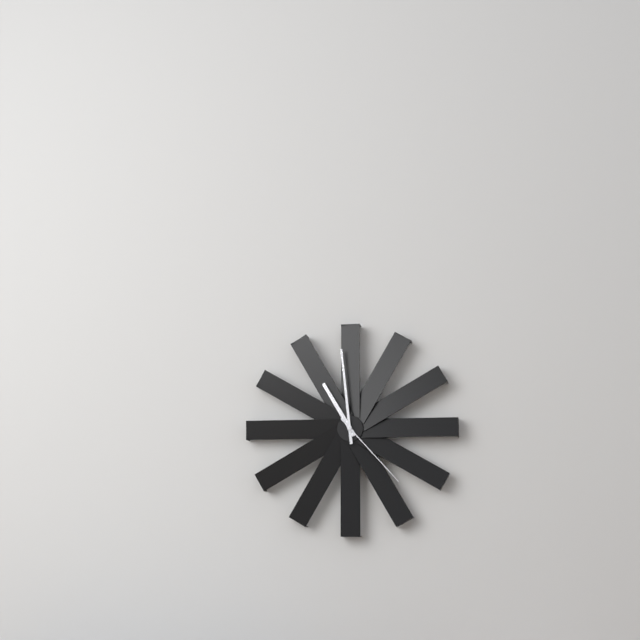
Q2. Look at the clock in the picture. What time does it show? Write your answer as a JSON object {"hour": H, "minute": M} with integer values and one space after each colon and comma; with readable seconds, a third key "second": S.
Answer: {"hour": 10, "minute": 59, "second": 23}
